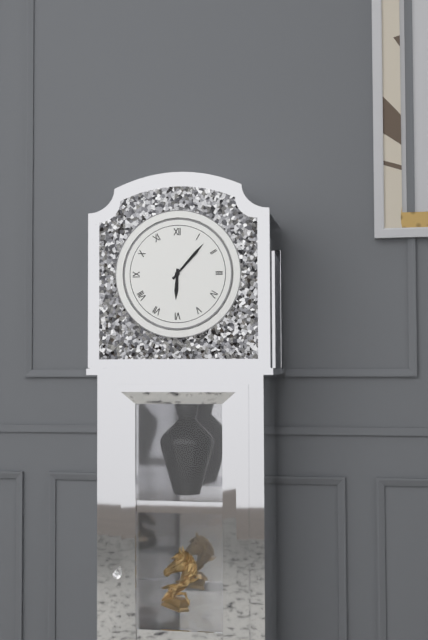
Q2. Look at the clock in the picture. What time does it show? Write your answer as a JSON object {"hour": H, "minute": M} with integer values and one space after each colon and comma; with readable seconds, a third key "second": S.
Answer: {"hour": 6, "minute": 7}
